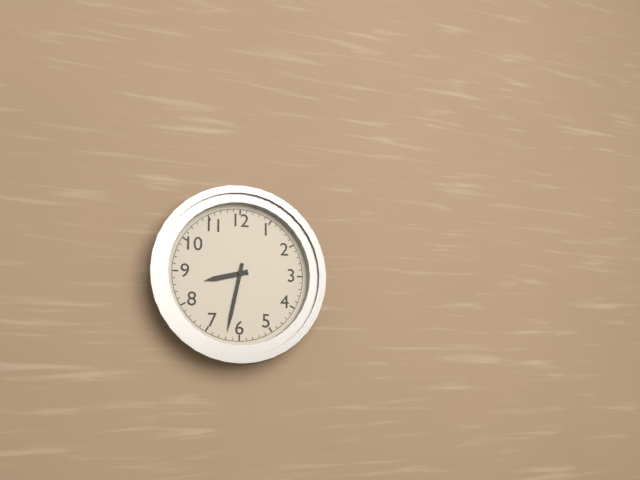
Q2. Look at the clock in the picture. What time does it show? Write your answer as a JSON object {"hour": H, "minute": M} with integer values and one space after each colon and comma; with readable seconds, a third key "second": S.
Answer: {"hour": 8, "minute": 32}
